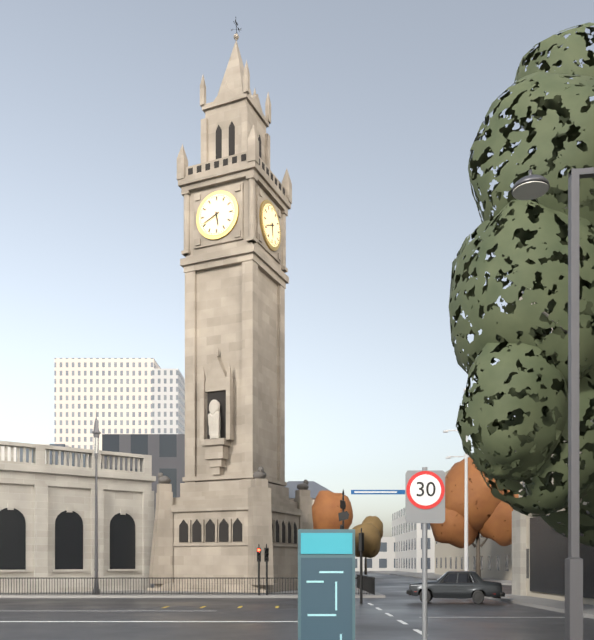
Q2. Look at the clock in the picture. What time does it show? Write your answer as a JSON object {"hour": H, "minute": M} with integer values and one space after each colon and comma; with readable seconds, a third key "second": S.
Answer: {"hour": 5, "minute": 41}
